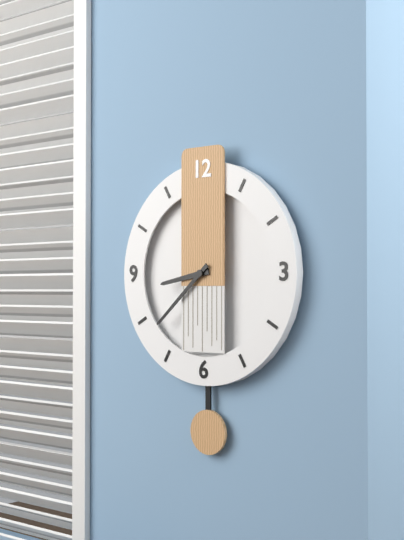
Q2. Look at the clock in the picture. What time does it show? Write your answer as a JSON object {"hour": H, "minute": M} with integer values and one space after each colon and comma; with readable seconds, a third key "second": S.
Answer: {"hour": 8, "minute": 38}
